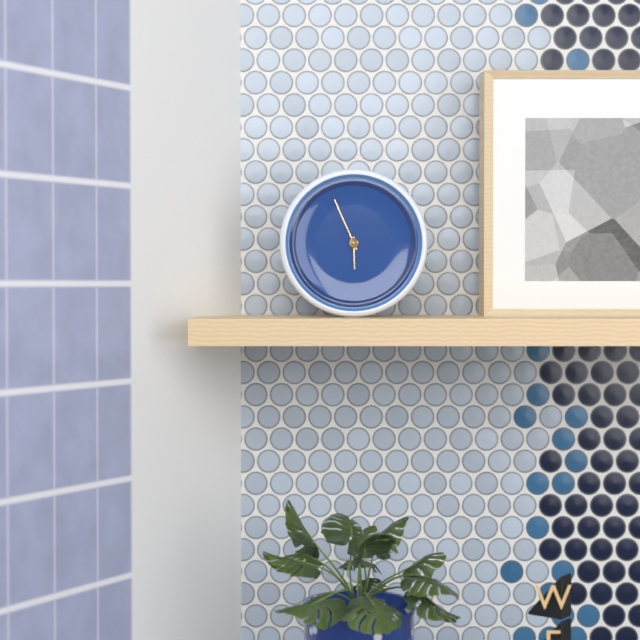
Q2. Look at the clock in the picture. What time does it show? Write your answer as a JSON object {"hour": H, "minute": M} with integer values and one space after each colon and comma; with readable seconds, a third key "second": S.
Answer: {"hour": 5, "minute": 56}
